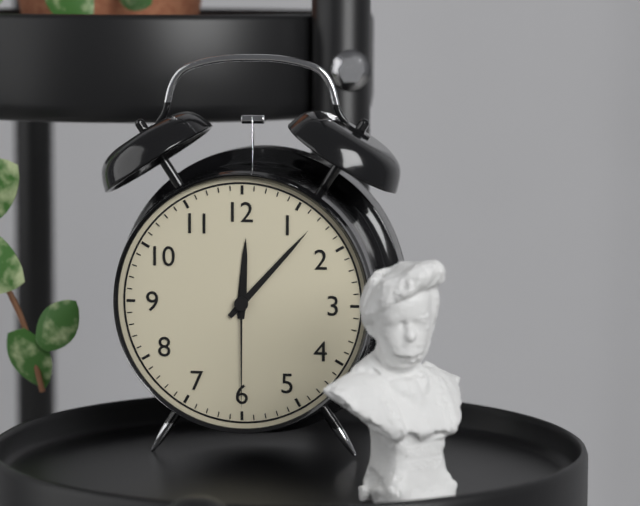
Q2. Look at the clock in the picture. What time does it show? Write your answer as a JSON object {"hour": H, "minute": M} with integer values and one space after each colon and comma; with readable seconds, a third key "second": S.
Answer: {"hour": 12, "minute": 7, "second": 30}
